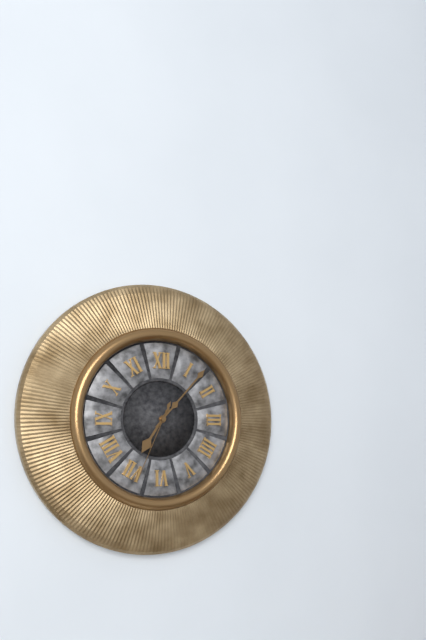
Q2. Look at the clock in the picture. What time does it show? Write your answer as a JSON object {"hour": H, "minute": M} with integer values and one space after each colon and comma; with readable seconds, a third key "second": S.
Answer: {"hour": 7, "minute": 7, "second": 34}
